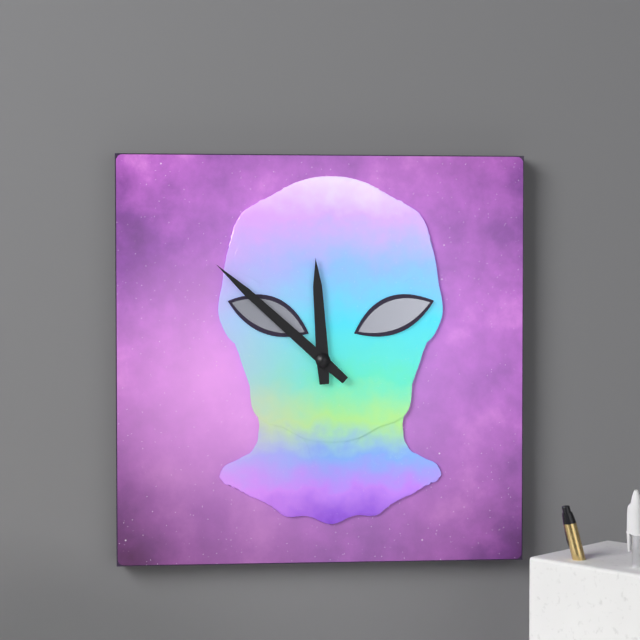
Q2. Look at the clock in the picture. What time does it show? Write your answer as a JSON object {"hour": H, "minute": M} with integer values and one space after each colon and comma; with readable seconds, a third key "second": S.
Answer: {"hour": 11, "minute": 52}
